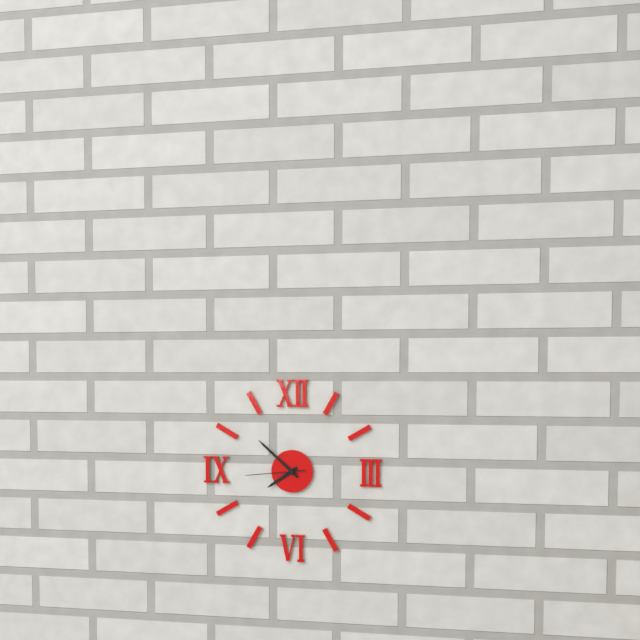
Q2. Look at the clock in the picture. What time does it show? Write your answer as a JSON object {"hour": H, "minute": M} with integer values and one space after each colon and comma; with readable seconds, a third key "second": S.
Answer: {"hour": 7, "minute": 52, "second": 44}
